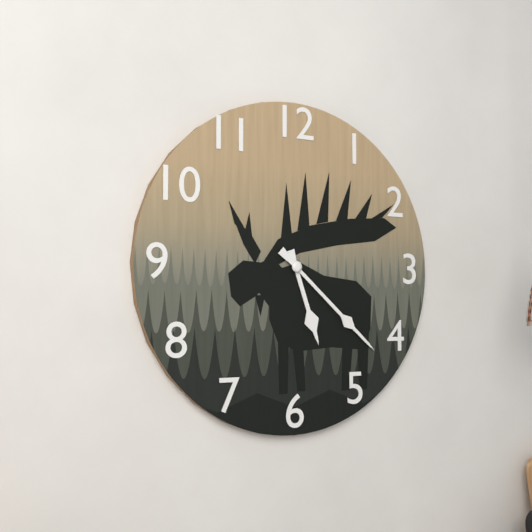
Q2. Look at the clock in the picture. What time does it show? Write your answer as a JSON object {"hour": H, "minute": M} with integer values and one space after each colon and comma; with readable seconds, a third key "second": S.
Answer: {"hour": 5, "minute": 22}
